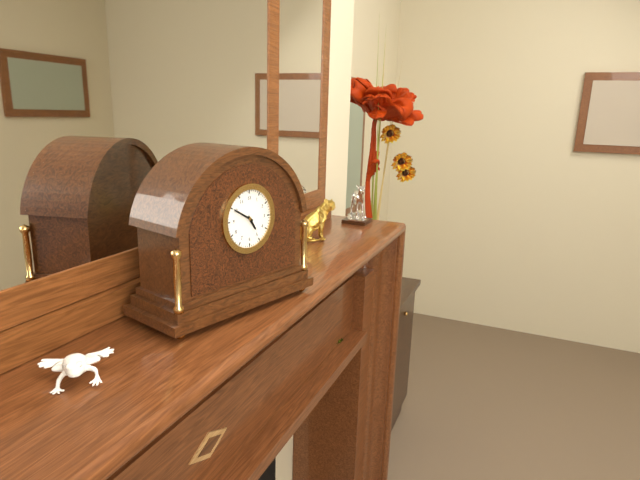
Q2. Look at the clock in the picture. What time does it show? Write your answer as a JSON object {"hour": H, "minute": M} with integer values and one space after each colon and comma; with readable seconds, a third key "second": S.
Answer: {"hour": 4, "minute": 50}
